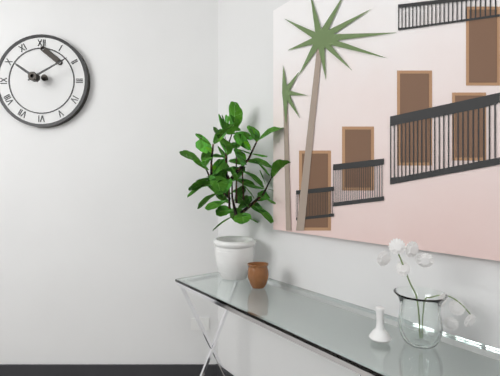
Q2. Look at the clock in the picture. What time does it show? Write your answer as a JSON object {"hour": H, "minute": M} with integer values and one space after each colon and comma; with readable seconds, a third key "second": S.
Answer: {"hour": 10, "minute": 10}
